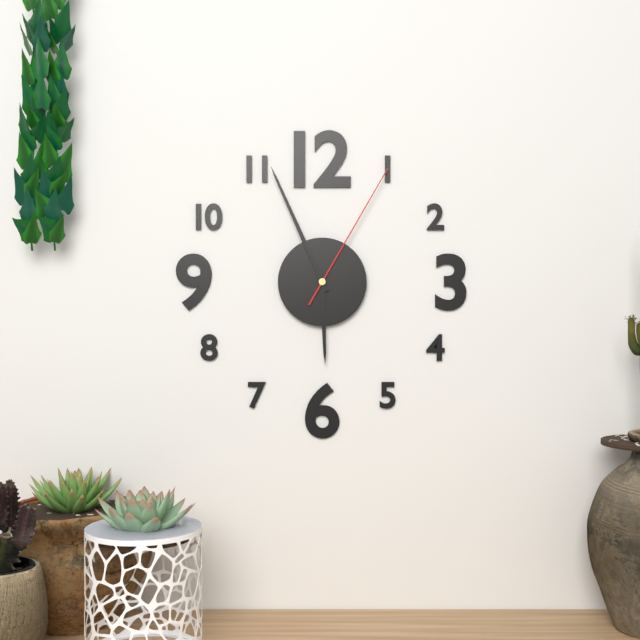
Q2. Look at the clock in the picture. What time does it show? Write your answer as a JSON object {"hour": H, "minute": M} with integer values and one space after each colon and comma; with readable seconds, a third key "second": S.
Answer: {"hour": 5, "minute": 56, "second": 5}
